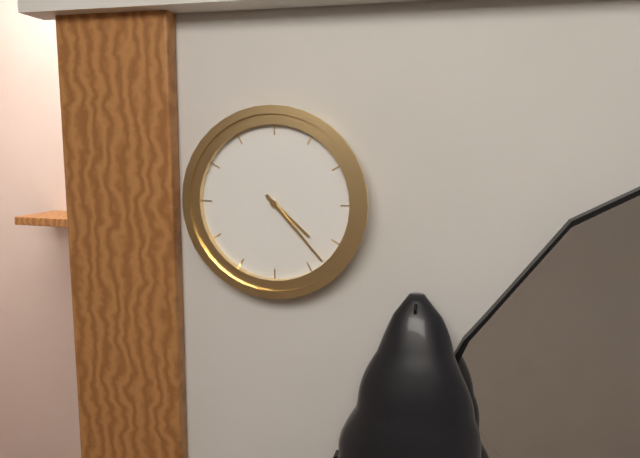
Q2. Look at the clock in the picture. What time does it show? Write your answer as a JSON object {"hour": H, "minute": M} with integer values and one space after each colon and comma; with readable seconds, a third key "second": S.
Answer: {"hour": 4, "minute": 23}
